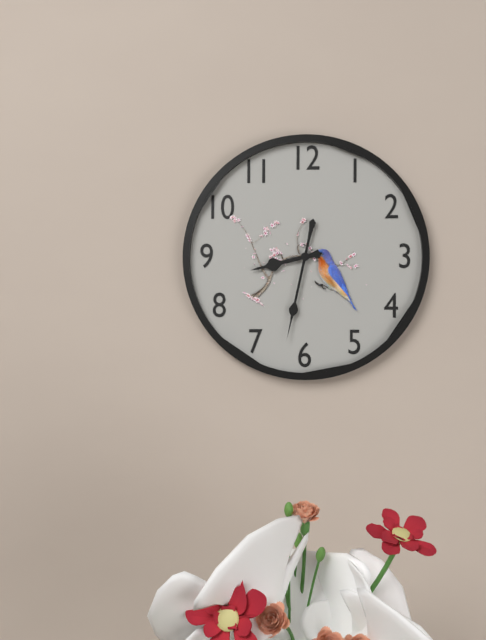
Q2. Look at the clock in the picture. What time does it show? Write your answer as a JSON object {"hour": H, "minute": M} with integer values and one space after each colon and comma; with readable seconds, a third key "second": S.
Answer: {"hour": 8, "minute": 32}
